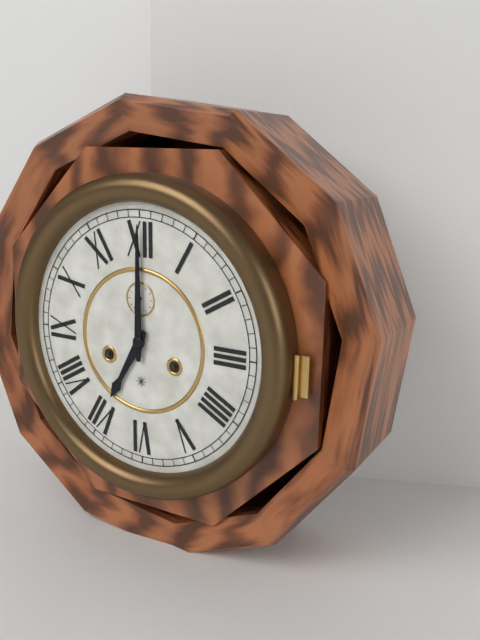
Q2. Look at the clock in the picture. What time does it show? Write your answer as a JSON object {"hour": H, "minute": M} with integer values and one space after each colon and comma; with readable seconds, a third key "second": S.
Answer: {"hour": 7, "minute": 0}
